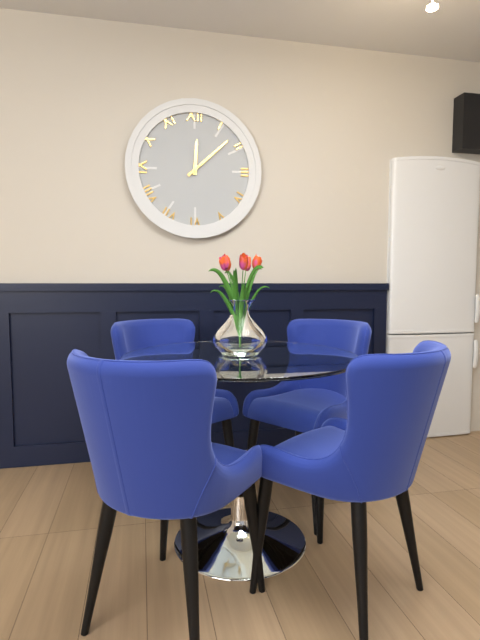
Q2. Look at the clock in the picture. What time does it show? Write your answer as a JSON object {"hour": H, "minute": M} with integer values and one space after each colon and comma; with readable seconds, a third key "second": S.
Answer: {"hour": 12, "minute": 8}
